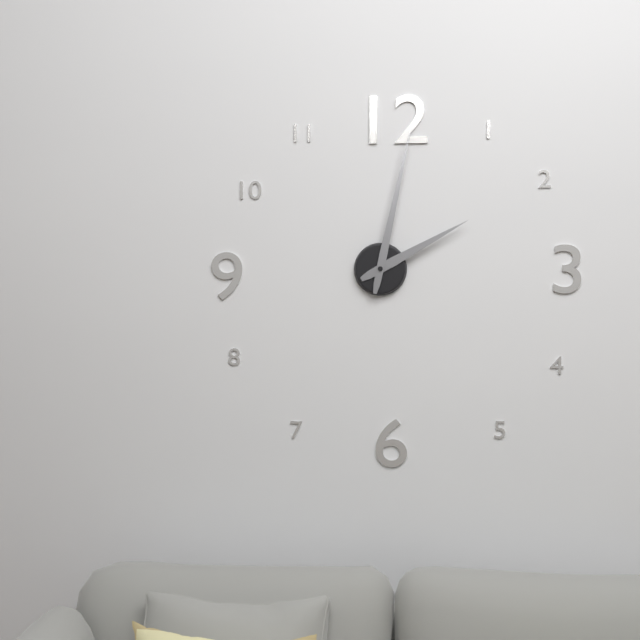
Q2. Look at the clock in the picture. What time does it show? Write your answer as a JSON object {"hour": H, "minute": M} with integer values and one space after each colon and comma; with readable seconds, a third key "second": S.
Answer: {"hour": 2, "minute": 2}
